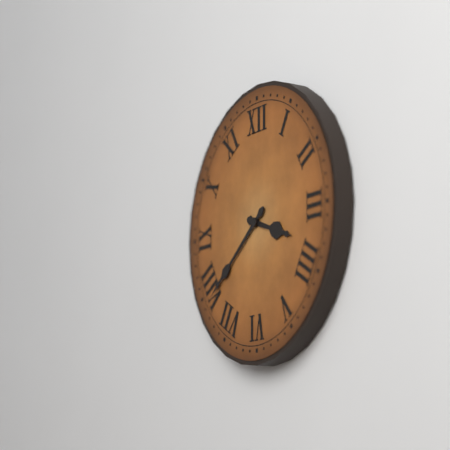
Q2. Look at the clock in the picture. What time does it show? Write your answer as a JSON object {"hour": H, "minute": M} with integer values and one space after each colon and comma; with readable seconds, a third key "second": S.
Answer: {"hour": 3, "minute": 39}
